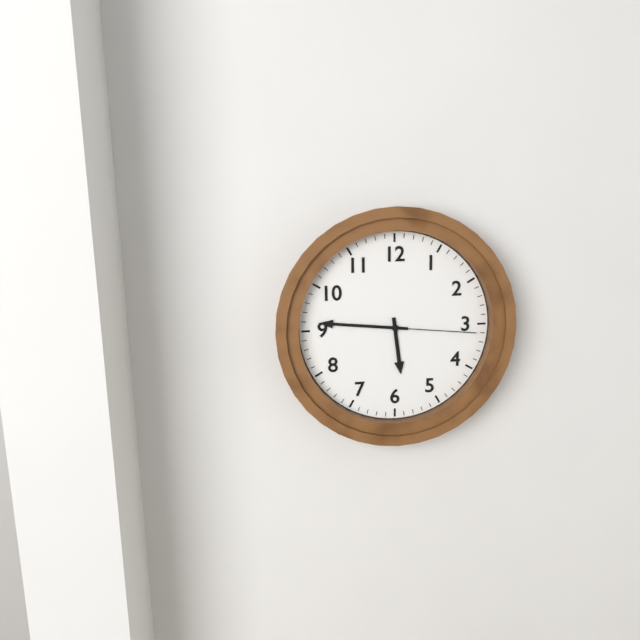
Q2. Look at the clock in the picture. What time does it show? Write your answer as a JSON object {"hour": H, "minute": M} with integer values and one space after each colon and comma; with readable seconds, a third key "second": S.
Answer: {"hour": 5, "minute": 46, "second": 16}
